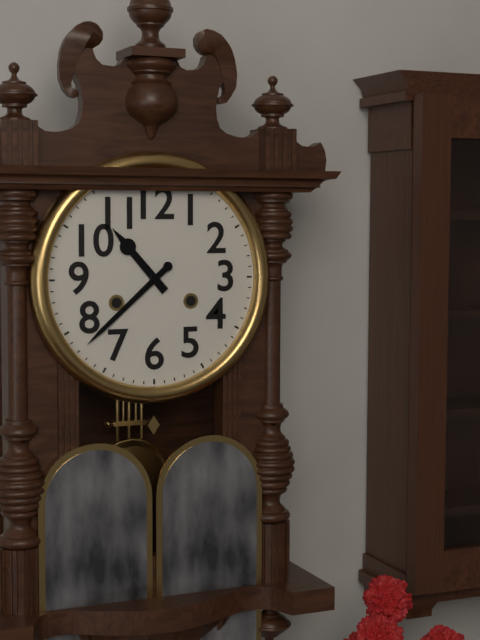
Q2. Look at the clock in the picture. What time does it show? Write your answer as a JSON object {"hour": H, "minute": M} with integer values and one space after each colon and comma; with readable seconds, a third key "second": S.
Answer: {"hour": 10, "minute": 38}
